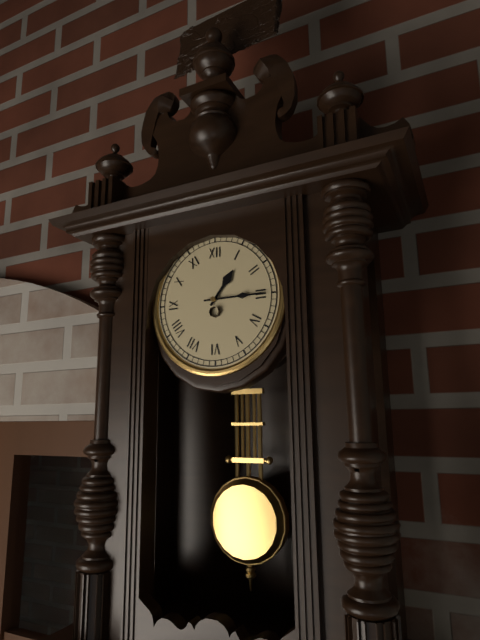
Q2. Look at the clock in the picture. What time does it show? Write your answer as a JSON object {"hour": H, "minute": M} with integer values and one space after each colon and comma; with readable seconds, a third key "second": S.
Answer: {"hour": 1, "minute": 15}
